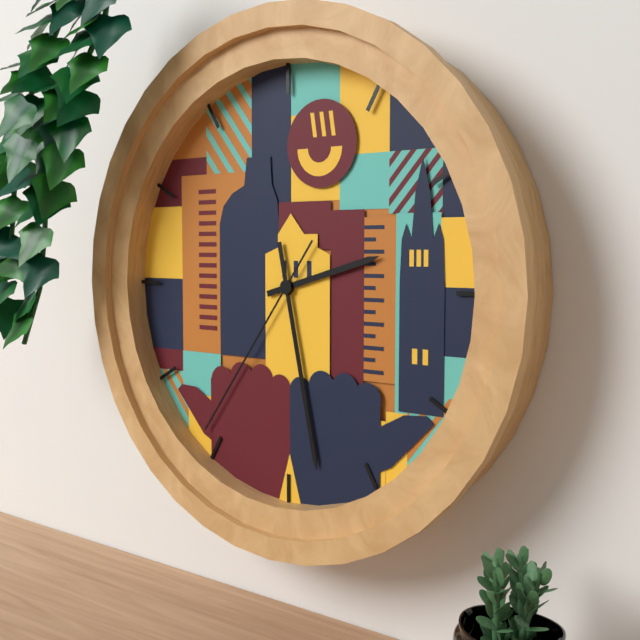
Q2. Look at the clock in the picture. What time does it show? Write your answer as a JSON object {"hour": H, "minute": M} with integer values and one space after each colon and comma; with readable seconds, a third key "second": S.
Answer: {"hour": 2, "minute": 28, "second": 36}
